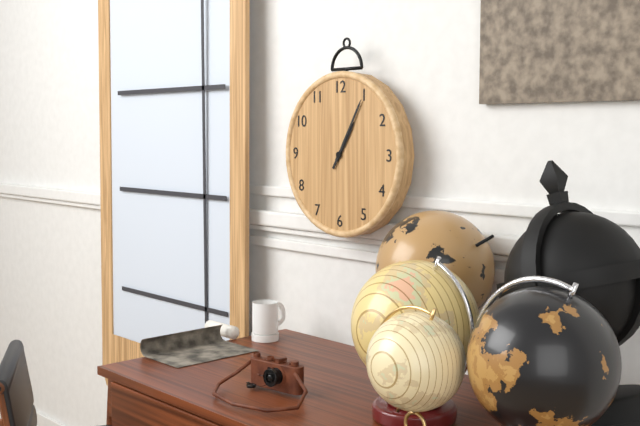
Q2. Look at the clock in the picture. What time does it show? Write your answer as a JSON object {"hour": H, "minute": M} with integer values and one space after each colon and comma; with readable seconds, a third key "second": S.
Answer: {"hour": 1, "minute": 5}
